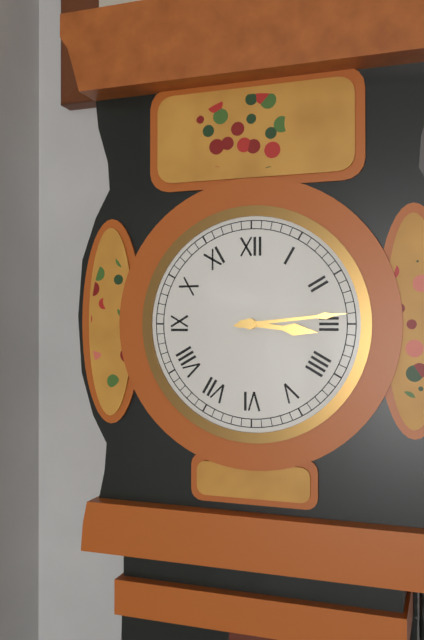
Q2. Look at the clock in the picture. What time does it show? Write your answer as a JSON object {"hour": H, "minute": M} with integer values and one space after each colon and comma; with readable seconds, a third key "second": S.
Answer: {"hour": 3, "minute": 14}
